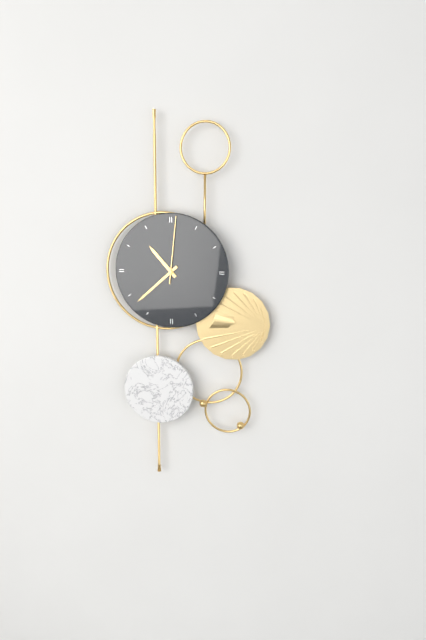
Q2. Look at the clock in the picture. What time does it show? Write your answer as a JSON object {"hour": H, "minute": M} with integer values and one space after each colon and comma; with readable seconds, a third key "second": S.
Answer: {"hour": 10, "minute": 38, "second": 1}
